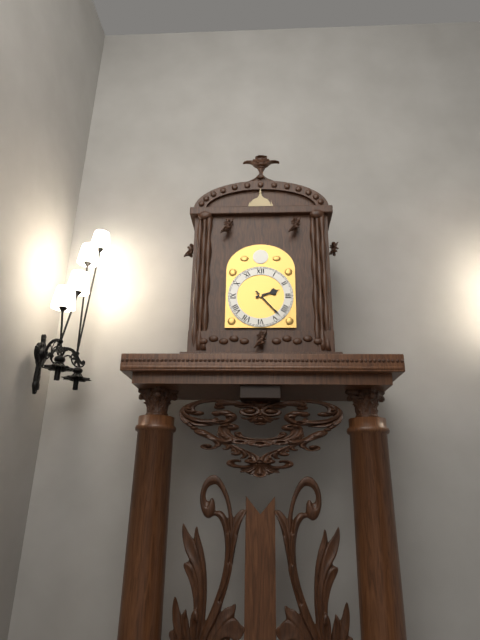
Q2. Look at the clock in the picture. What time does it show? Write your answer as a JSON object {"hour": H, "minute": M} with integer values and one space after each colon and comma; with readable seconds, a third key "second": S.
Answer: {"hour": 2, "minute": 23}
